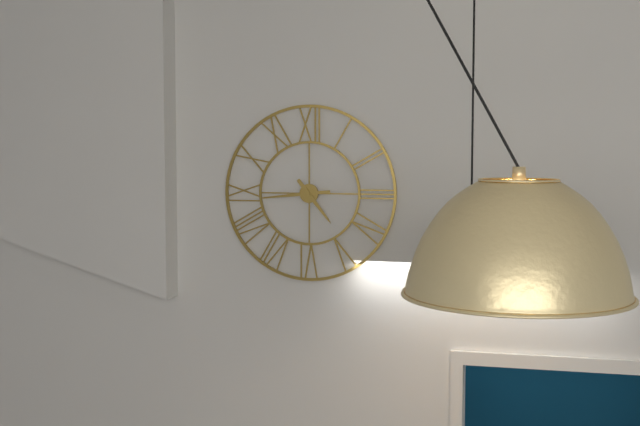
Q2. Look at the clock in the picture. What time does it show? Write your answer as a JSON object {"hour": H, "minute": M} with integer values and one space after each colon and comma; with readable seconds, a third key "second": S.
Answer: {"hour": 4, "minute": 44}
